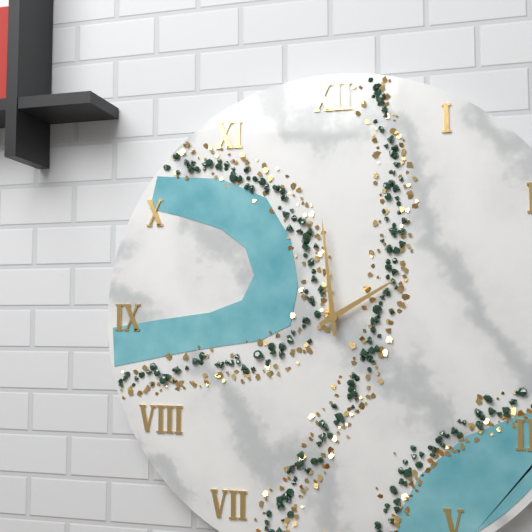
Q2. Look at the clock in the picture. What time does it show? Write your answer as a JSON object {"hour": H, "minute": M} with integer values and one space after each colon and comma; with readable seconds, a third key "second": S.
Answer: {"hour": 1, "minute": 59}
